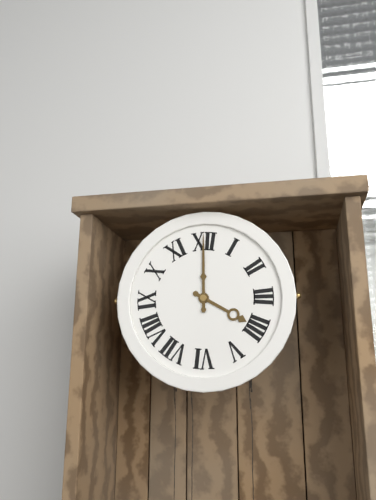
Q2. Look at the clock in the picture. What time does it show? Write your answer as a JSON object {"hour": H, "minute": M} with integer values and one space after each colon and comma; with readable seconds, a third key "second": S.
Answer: {"hour": 4, "minute": 0}
